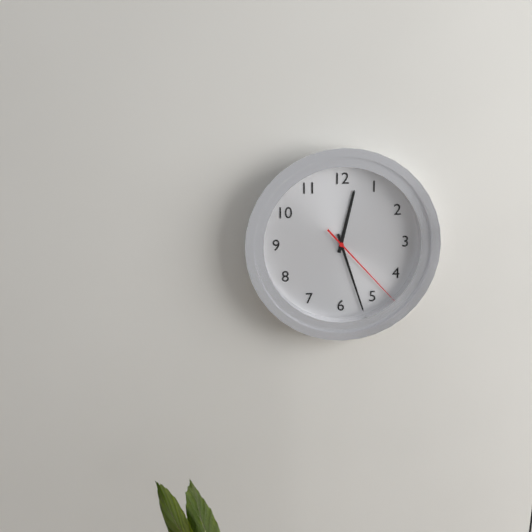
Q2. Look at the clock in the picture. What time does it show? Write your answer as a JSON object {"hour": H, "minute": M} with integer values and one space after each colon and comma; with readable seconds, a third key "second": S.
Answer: {"hour": 12, "minute": 27, "second": 23}
